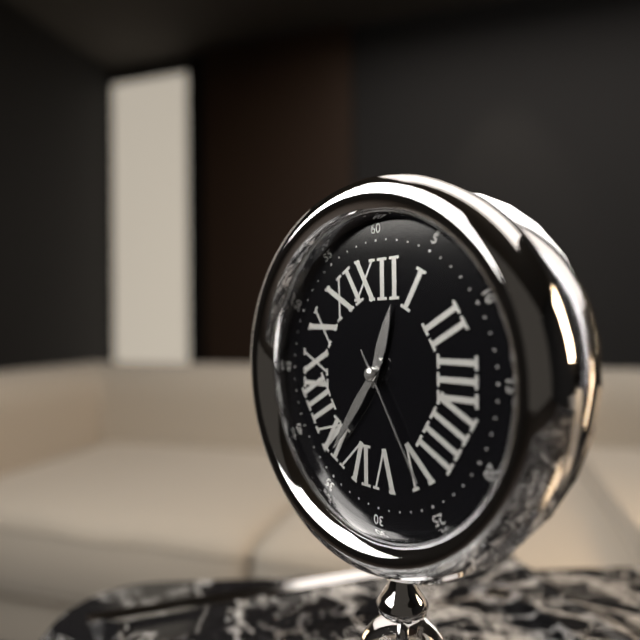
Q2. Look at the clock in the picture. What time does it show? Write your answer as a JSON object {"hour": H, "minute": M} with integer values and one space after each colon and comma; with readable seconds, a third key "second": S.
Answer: {"hour": 12, "minute": 36, "second": 25}
